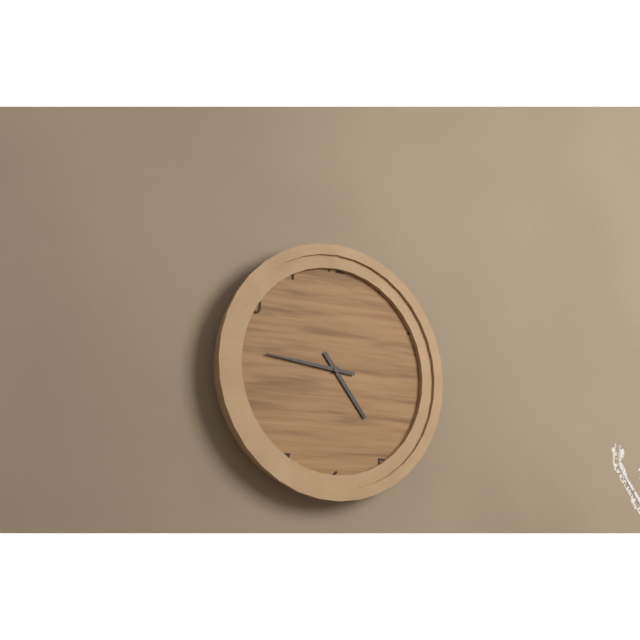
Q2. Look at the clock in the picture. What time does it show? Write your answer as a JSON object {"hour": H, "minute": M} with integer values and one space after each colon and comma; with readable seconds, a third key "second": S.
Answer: {"hour": 4, "minute": 46}
